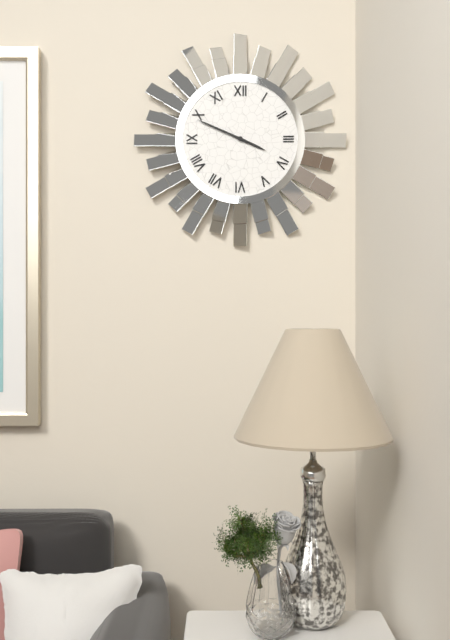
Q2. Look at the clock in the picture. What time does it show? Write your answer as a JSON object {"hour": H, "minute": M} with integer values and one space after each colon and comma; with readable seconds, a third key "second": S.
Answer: {"hour": 3, "minute": 49}
